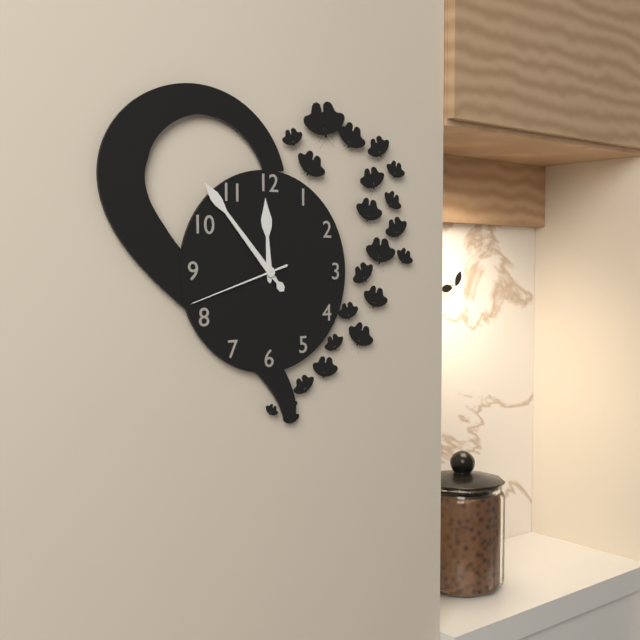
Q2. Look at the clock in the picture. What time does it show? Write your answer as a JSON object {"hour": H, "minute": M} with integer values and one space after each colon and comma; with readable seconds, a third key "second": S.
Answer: {"hour": 11, "minute": 53, "second": 42}
